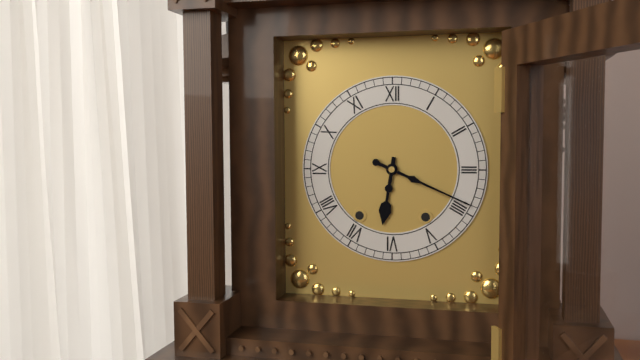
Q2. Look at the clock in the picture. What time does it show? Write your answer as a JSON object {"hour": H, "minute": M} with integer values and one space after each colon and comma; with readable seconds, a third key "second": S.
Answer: {"hour": 6, "minute": 19}
